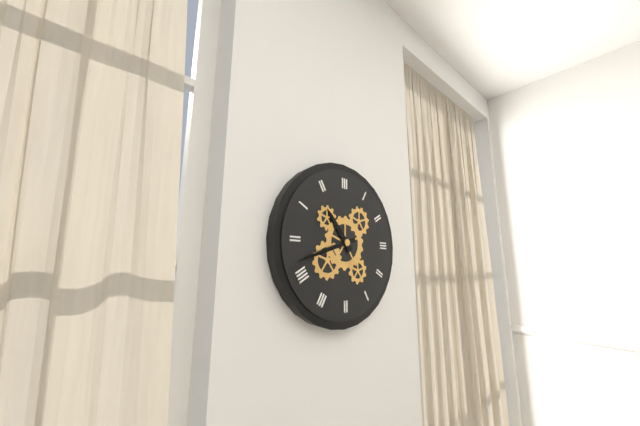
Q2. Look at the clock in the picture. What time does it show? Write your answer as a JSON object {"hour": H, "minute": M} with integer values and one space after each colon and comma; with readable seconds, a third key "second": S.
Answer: {"hour": 10, "minute": 42}
